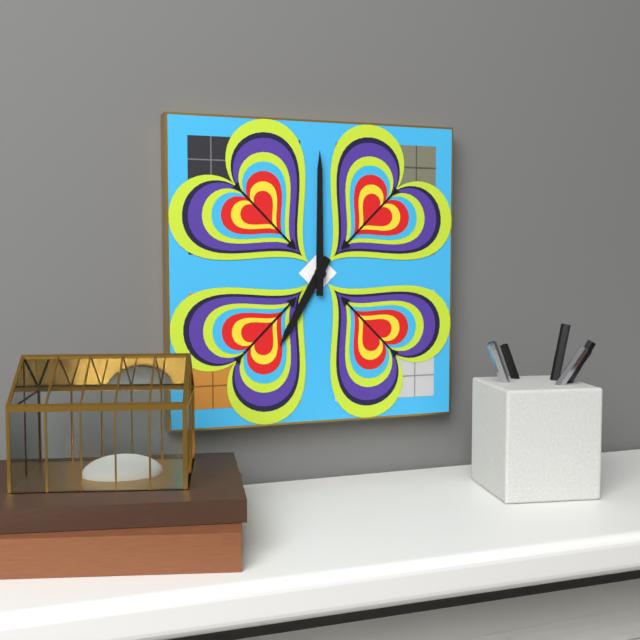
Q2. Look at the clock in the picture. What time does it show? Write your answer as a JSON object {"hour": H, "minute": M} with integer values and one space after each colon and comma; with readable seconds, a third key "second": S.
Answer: {"hour": 7, "minute": 0}
